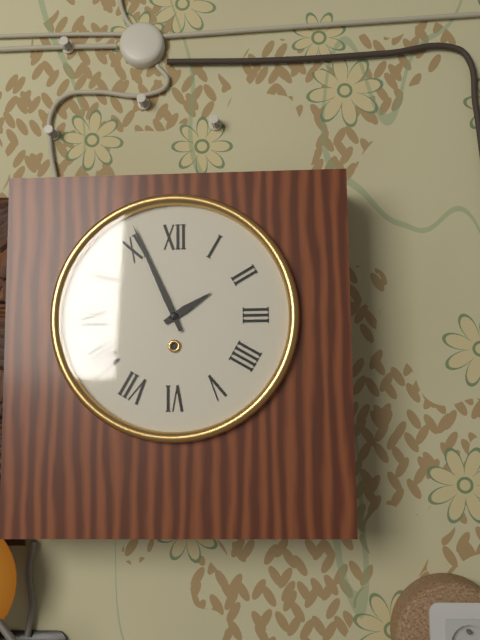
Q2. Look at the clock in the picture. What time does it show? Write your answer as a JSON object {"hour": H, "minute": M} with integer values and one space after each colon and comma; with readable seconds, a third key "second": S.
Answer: {"hour": 1, "minute": 56}
